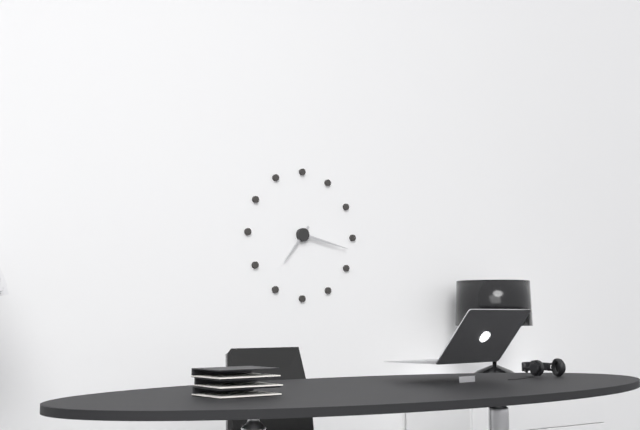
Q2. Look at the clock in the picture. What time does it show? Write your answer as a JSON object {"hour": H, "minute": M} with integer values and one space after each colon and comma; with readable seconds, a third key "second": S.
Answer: {"hour": 7, "minute": 17}
